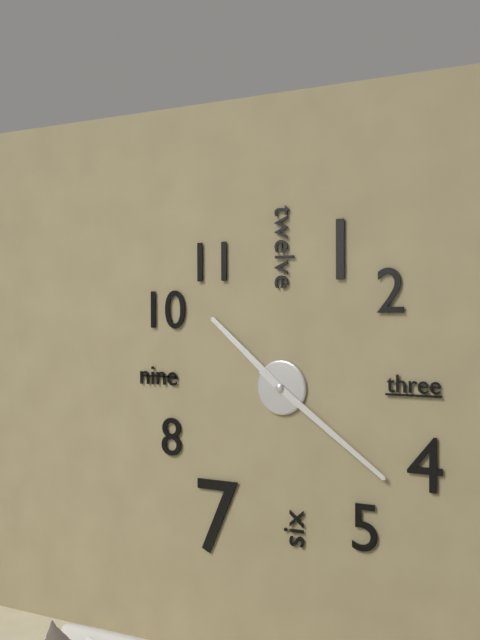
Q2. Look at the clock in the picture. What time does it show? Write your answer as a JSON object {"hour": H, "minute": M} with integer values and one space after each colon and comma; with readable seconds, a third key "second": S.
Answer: {"hour": 10, "minute": 21}
